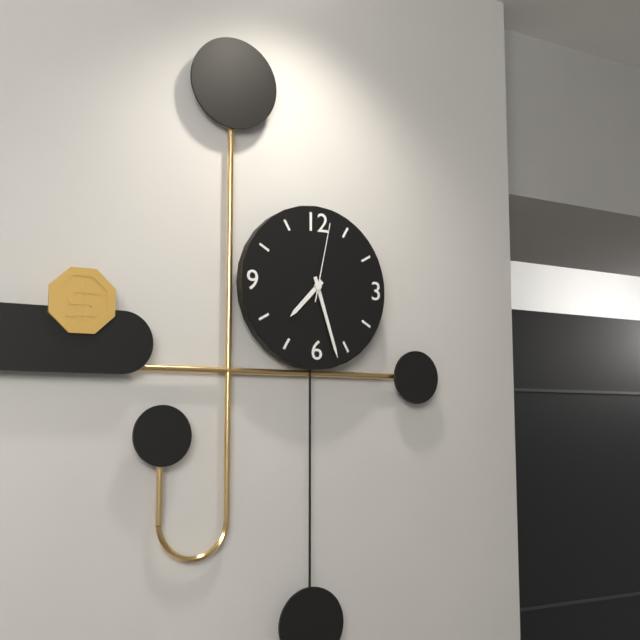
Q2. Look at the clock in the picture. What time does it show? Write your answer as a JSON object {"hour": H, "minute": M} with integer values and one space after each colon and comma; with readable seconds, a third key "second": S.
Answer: {"hour": 7, "minute": 27, "second": 2}
